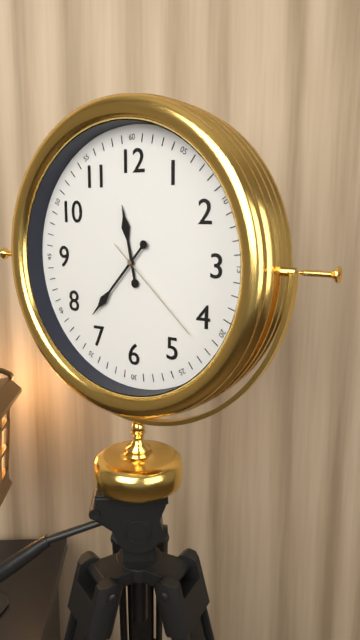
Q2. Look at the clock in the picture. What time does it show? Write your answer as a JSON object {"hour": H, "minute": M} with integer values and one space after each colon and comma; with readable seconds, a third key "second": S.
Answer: {"hour": 11, "minute": 37, "second": 22}
